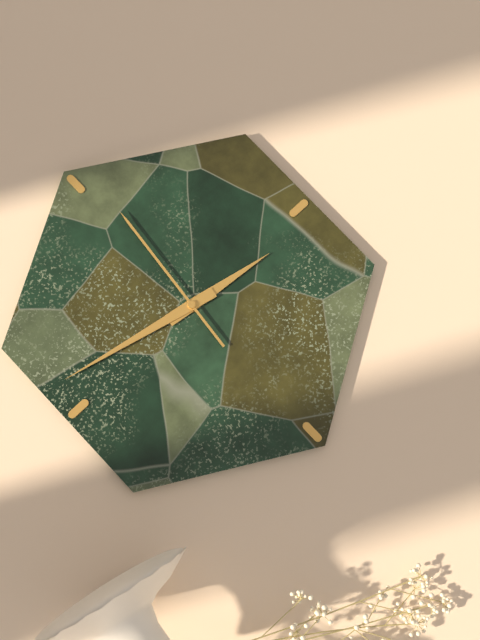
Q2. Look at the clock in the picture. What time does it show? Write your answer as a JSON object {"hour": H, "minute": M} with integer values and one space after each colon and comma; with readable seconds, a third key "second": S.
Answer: {"hour": 9, "minute": 17, "second": 31}
